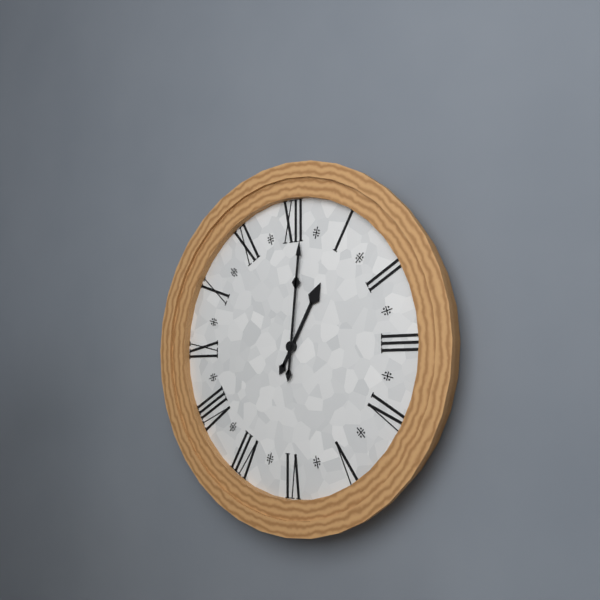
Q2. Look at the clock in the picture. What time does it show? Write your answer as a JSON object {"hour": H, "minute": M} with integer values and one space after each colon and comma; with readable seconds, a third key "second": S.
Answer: {"hour": 1, "minute": 1}
